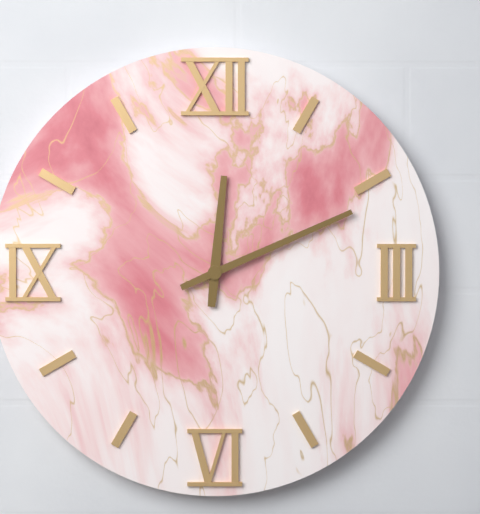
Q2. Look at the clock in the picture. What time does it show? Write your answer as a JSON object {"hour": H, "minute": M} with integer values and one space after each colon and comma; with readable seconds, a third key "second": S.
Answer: {"hour": 12, "minute": 11}
